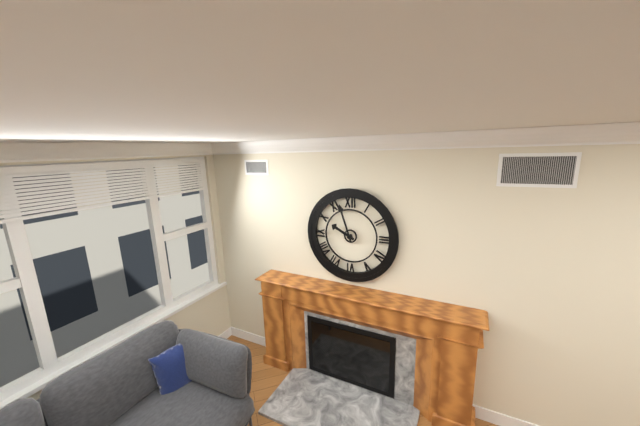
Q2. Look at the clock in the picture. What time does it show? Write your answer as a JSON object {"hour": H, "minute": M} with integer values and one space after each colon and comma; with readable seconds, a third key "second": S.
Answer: {"hour": 9, "minute": 57}
